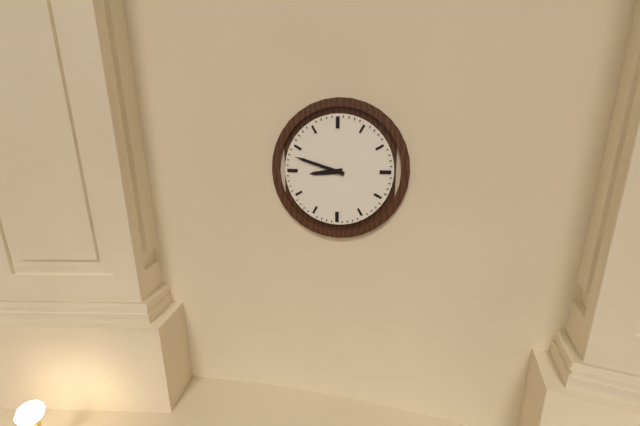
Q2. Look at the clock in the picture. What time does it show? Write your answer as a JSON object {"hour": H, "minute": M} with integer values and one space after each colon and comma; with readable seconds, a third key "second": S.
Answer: {"hour": 8, "minute": 48}
